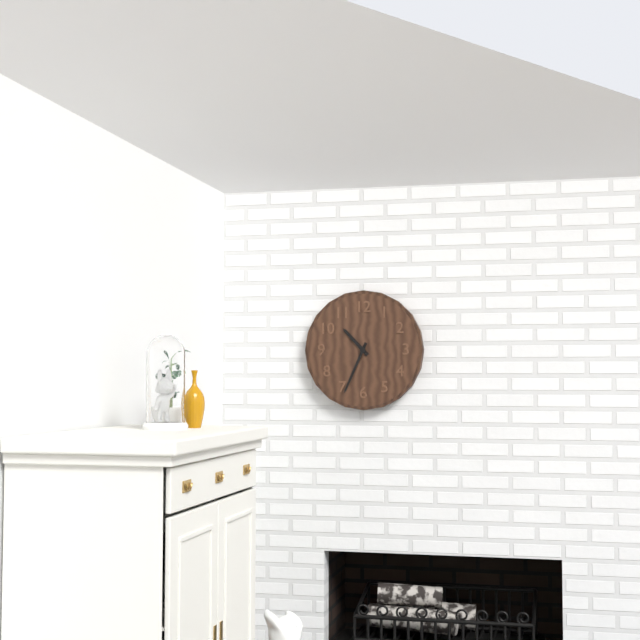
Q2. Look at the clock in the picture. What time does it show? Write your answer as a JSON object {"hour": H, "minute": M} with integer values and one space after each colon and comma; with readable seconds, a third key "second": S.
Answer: {"hour": 10, "minute": 34}
